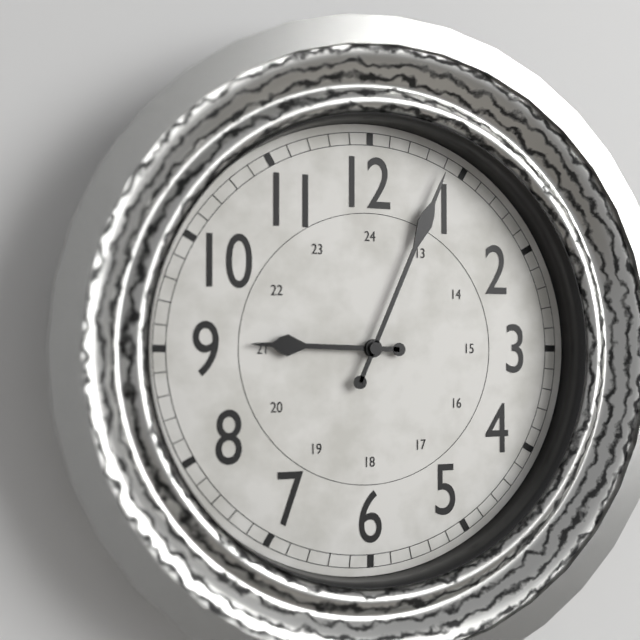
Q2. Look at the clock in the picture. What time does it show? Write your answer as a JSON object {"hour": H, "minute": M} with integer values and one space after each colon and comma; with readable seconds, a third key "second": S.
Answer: {"hour": 9, "minute": 4}
